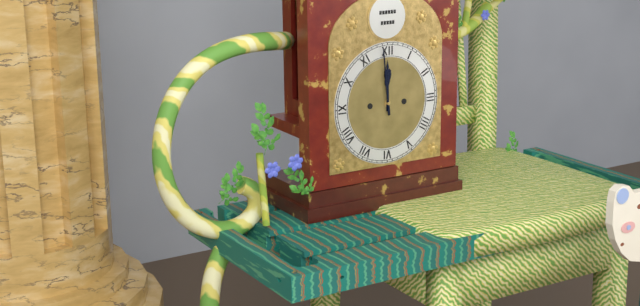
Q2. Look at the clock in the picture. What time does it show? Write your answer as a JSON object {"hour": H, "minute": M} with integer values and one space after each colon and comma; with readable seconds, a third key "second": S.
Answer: {"hour": 11, "minute": 59}
